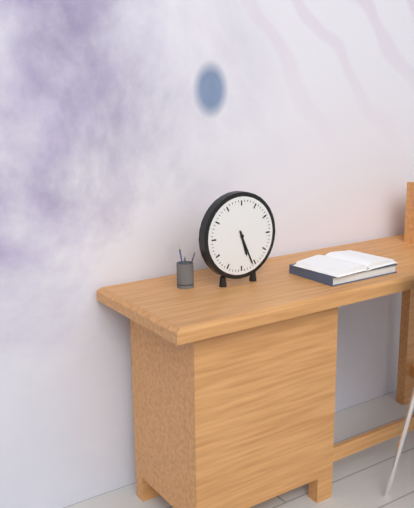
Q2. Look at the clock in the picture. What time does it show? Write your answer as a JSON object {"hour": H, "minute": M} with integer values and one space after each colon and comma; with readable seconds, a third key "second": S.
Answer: {"hour": 5, "minute": 26}
